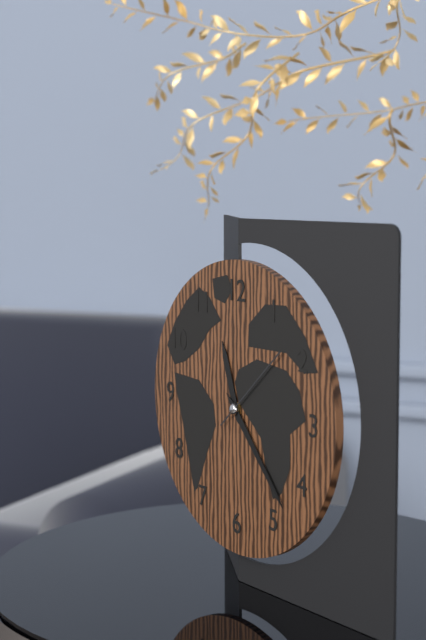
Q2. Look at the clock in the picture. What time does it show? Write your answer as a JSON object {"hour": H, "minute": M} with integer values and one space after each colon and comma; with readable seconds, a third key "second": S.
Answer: {"hour": 11, "minute": 23, "second": 8}
